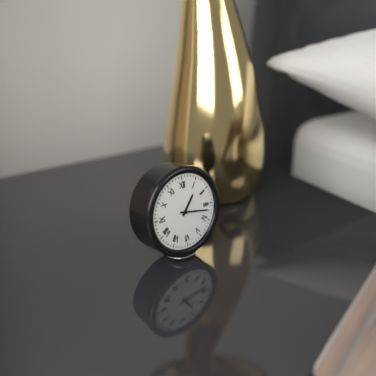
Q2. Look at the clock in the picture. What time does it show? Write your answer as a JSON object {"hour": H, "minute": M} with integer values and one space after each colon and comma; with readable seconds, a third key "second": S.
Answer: {"hour": 1, "minute": 17}
